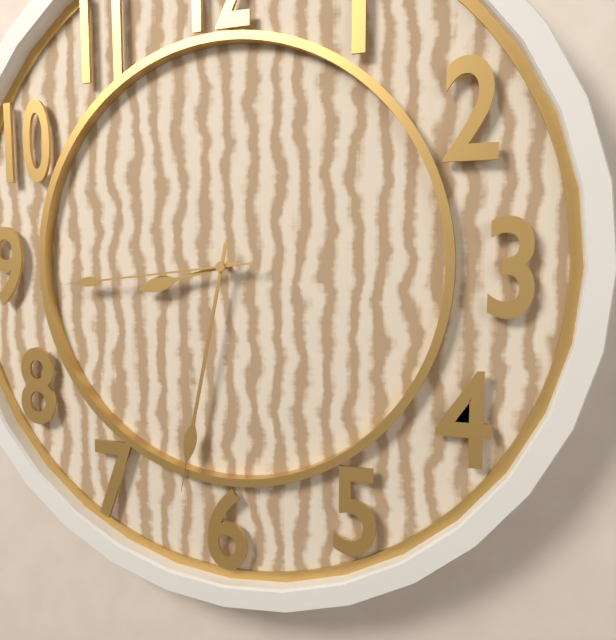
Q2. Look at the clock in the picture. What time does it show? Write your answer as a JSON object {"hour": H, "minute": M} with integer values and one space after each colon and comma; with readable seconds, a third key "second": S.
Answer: {"hour": 8, "minute": 32, "second": 44}
